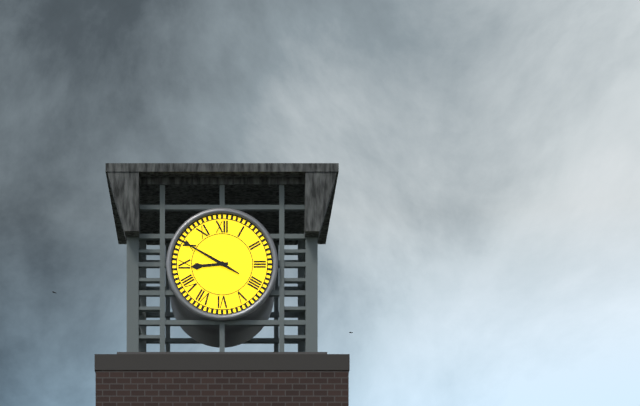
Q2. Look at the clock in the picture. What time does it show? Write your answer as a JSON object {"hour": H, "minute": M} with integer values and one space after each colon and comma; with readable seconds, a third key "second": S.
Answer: {"hour": 8, "minute": 50}
